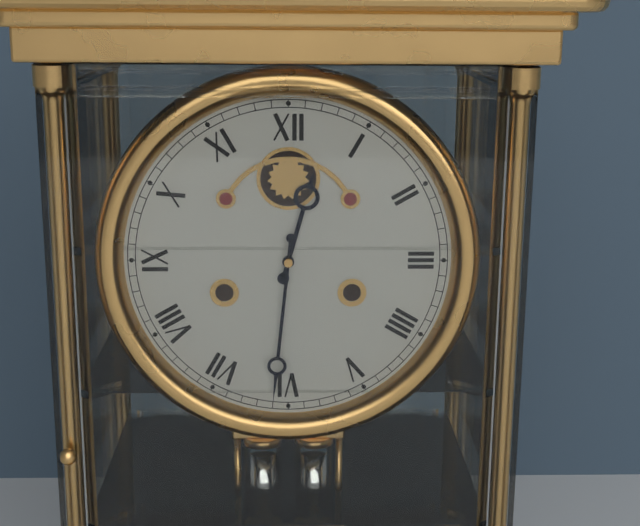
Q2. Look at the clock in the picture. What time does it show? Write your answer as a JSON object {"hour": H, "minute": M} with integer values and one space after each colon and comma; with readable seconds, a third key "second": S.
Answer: {"hour": 12, "minute": 31}
